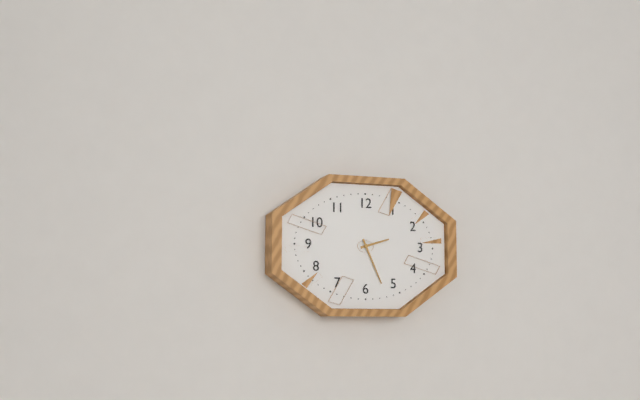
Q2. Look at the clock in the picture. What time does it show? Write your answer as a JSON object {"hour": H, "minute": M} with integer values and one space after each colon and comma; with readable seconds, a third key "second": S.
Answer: {"hour": 2, "minute": 26}
